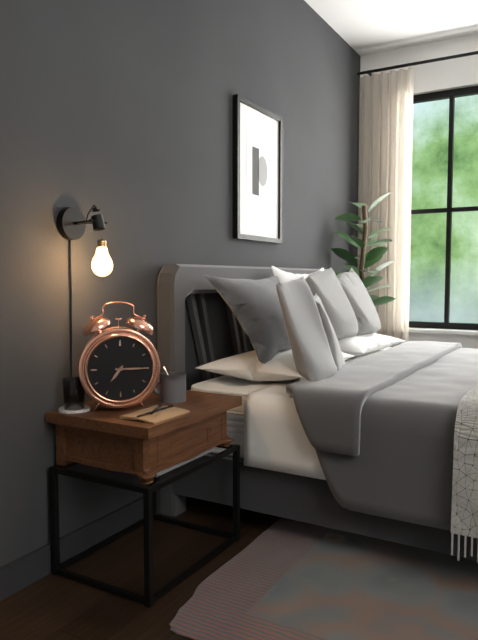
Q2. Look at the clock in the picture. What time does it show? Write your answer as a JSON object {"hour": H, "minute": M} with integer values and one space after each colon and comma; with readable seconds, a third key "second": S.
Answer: {"hour": 7, "minute": 15}
